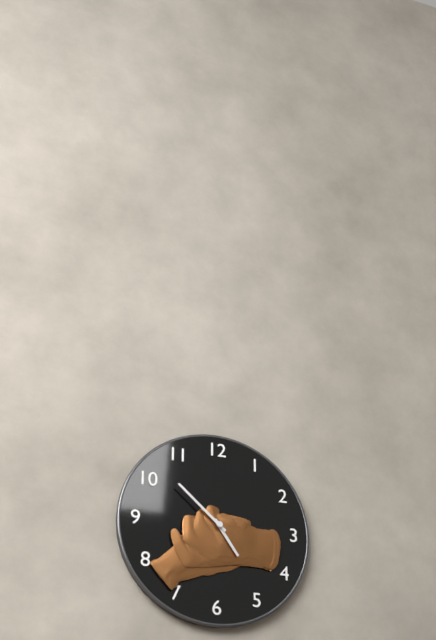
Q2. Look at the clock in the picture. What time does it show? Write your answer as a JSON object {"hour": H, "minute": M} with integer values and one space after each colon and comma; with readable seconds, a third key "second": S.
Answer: {"hour": 4, "minute": 52}
